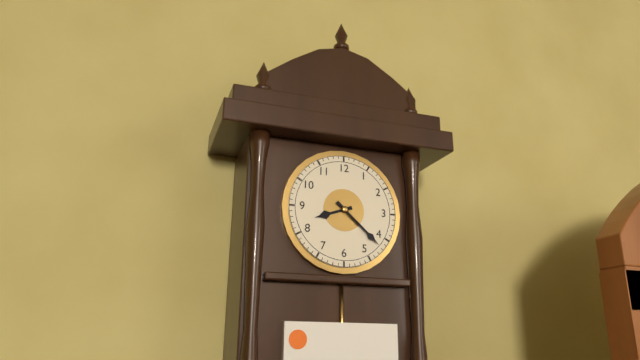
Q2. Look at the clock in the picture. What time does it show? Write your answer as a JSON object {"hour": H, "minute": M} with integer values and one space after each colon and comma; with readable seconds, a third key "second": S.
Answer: {"hour": 8, "minute": 22}
